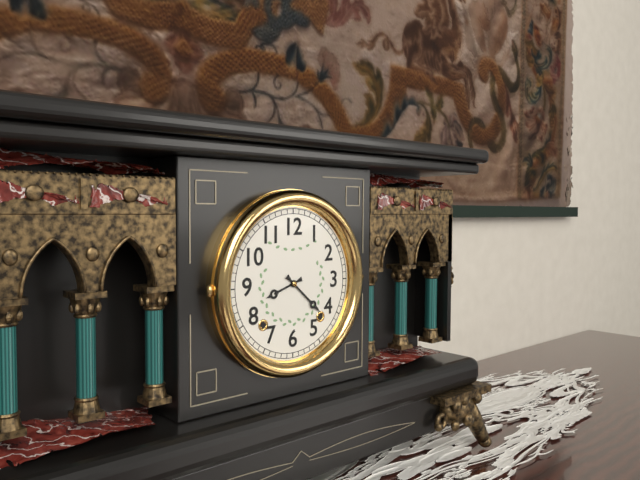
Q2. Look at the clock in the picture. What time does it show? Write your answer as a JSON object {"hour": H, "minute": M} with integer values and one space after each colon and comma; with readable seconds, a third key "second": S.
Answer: {"hour": 8, "minute": 22}
